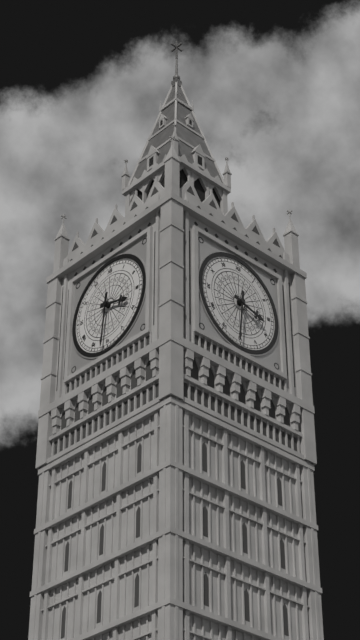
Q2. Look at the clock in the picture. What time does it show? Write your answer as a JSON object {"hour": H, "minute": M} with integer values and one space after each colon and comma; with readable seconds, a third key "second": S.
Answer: {"hour": 3, "minute": 31}
